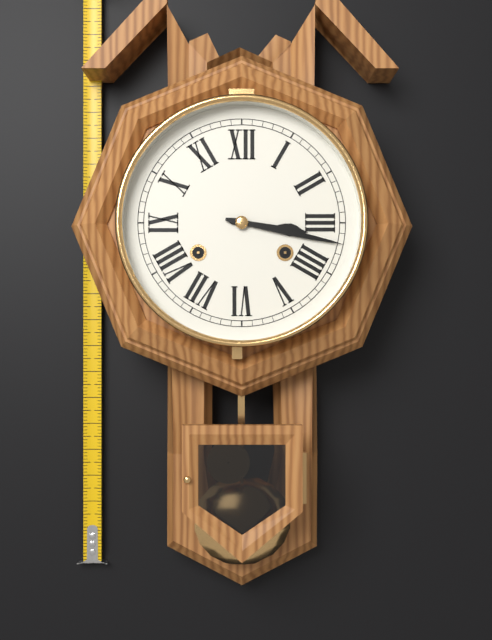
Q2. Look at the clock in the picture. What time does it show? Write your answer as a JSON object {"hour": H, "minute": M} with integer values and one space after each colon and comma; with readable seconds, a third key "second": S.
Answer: {"hour": 3, "minute": 17}
